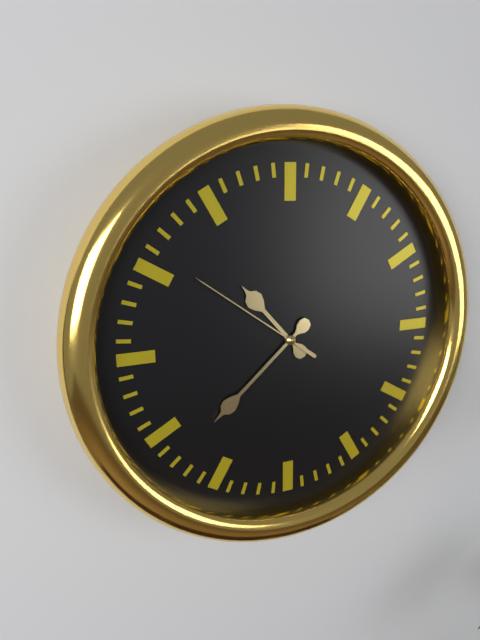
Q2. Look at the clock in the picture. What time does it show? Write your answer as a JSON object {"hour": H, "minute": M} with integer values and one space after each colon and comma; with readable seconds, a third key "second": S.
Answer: {"hour": 10, "minute": 38, "second": 51}
